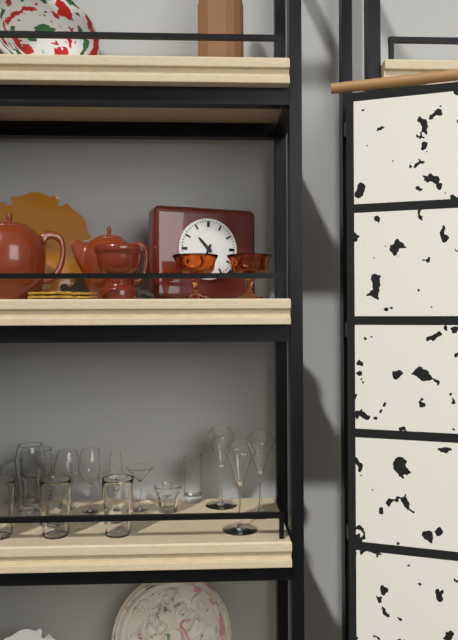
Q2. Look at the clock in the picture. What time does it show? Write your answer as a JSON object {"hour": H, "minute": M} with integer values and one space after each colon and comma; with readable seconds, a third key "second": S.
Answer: {"hour": 10, "minute": 34}
